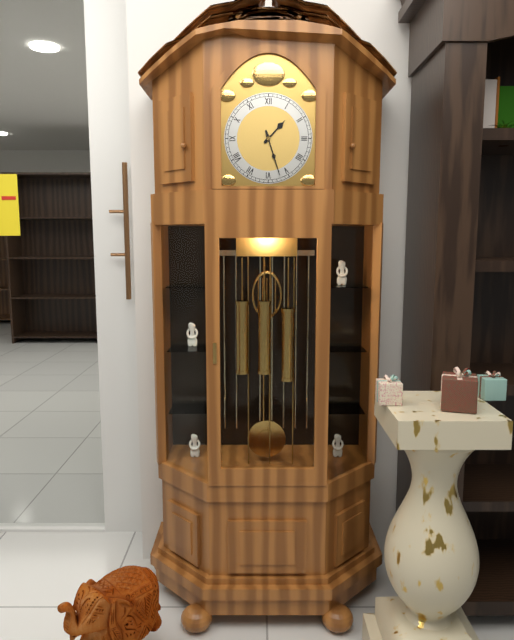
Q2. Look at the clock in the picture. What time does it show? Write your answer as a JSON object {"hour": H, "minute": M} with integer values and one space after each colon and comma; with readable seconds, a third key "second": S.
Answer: {"hour": 1, "minute": 27}
